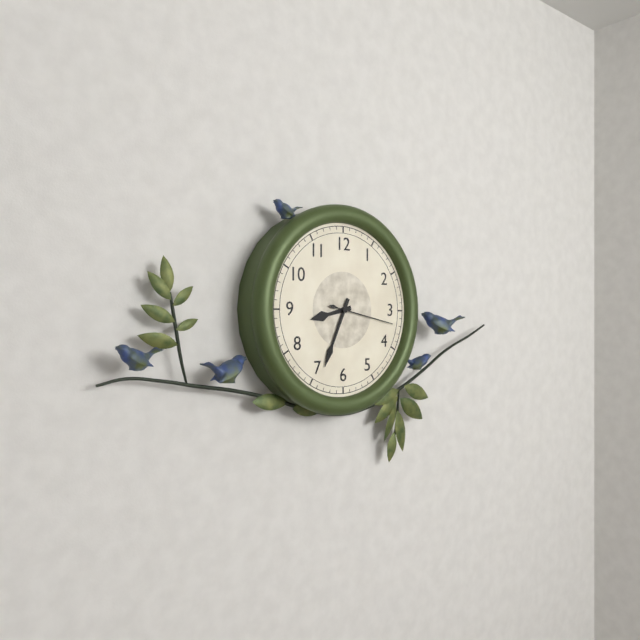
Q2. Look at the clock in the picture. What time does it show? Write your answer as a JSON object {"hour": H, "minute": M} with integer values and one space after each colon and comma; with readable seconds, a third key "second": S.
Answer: {"hour": 8, "minute": 34, "second": 17}
